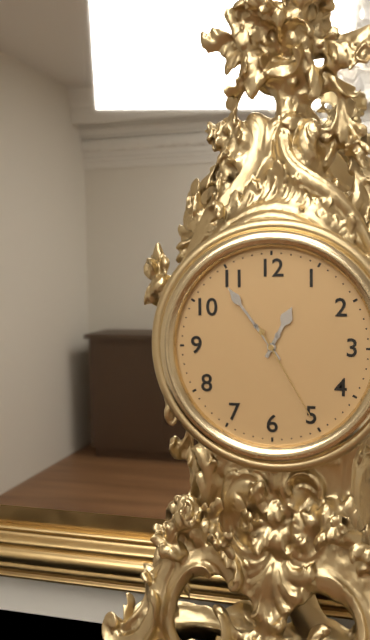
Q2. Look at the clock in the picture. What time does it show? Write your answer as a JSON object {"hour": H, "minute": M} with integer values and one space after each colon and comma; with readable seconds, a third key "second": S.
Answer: {"hour": 12, "minute": 54, "second": 25}
